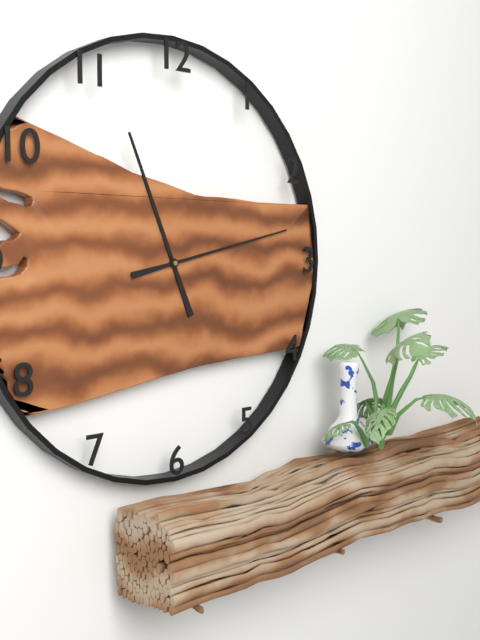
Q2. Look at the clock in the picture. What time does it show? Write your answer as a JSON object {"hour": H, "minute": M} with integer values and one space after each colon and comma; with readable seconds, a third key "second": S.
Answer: {"hour": 11, "minute": 13}
